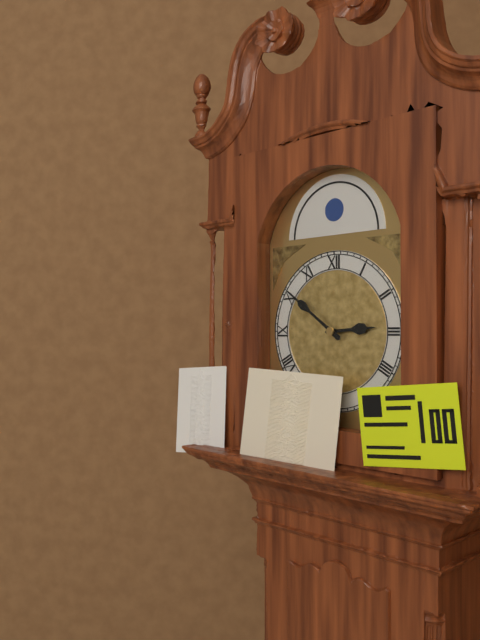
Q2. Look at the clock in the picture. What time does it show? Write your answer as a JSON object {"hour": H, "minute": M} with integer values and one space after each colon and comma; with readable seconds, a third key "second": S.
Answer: {"hour": 2, "minute": 51}
